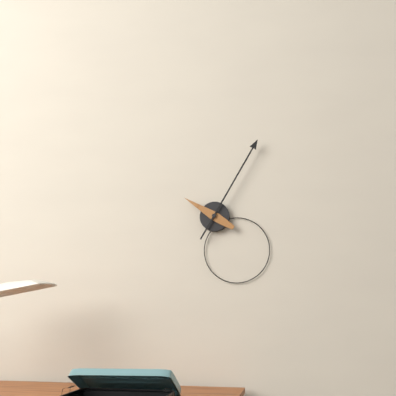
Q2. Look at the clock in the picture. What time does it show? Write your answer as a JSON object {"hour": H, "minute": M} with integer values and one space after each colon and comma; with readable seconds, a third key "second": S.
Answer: {"hour": 10, "minute": 5}
